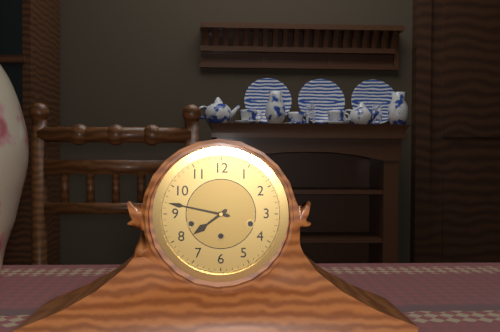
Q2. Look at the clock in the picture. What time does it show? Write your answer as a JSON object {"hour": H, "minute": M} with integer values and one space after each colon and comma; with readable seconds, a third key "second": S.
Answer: {"hour": 7, "minute": 47}
